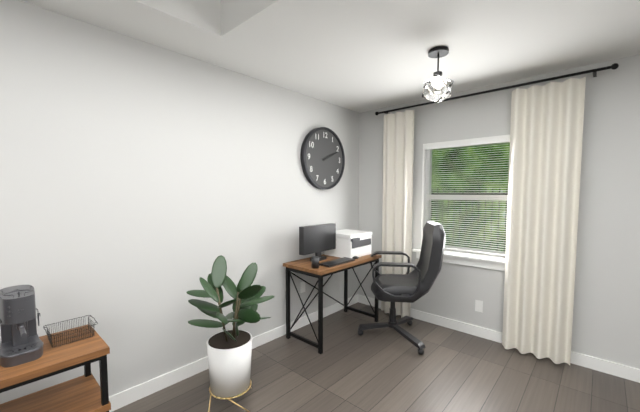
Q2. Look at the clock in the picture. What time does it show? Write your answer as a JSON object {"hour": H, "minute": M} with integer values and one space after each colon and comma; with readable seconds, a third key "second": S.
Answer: {"hour": 2, "minute": 11}
